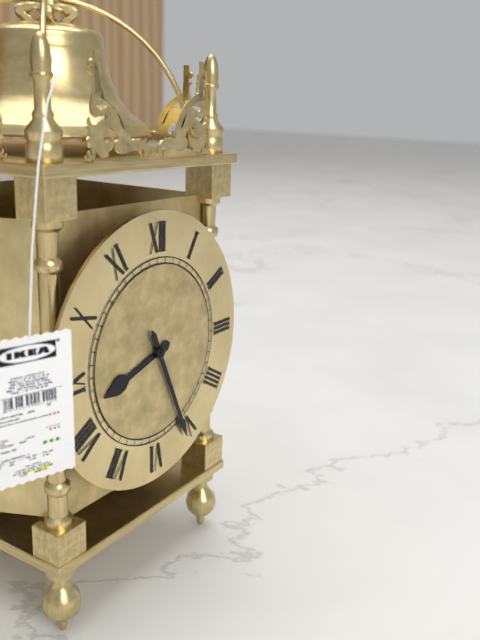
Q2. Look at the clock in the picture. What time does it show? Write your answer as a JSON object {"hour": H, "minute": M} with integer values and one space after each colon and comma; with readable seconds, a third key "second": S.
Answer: {"hour": 8, "minute": 26}
